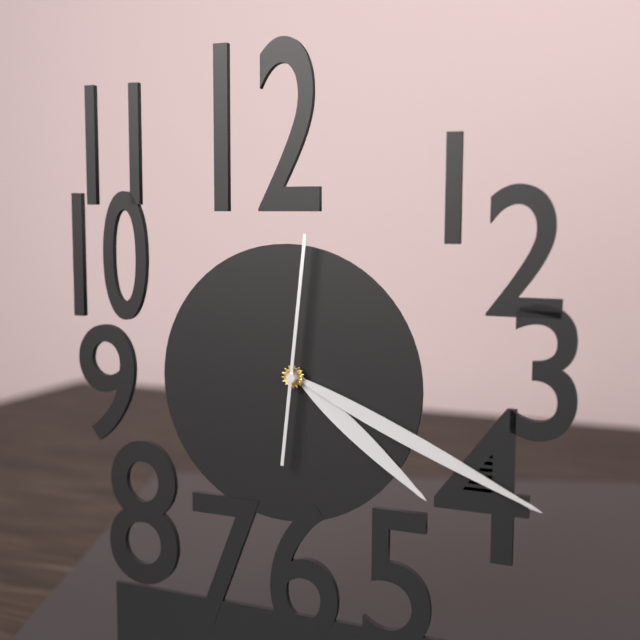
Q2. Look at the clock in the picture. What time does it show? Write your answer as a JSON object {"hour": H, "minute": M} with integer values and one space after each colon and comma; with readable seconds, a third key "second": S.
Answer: {"hour": 4, "minute": 19, "second": 1}
